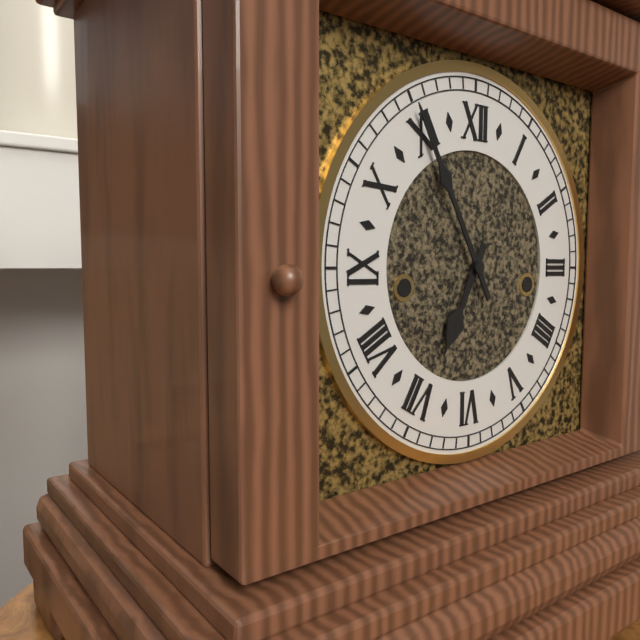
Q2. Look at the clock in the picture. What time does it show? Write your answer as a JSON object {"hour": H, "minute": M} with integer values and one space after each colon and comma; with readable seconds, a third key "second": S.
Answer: {"hour": 6, "minute": 55}
